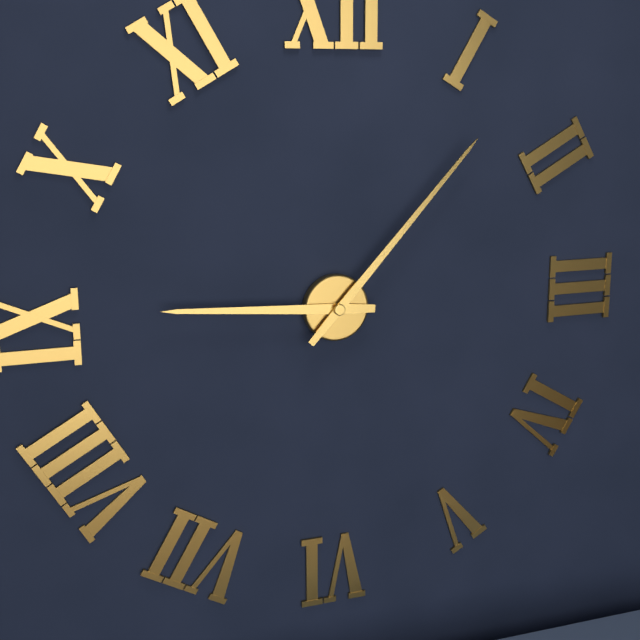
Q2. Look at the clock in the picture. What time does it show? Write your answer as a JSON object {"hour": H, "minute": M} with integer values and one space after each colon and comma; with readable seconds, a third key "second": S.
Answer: {"hour": 9, "minute": 7}
